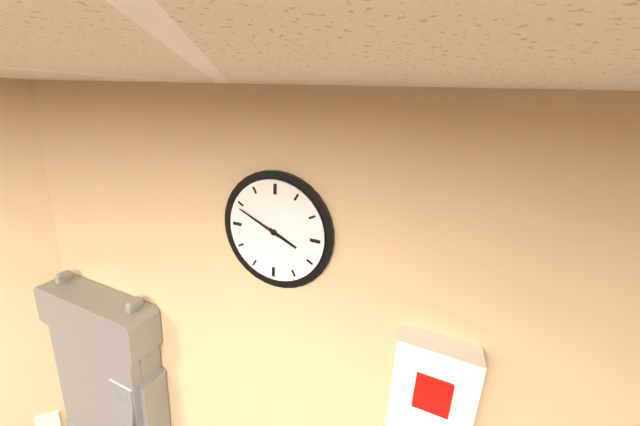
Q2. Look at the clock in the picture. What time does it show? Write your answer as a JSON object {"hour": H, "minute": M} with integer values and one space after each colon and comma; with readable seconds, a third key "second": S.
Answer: {"hour": 3, "minute": 49}
